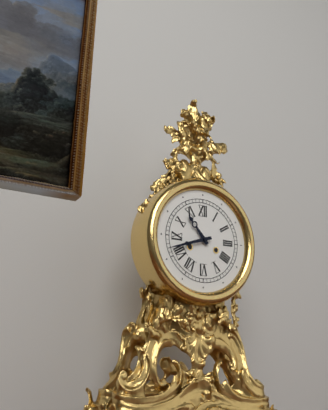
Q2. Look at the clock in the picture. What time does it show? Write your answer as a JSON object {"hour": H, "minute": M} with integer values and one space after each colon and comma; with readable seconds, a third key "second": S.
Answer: {"hour": 10, "minute": 42}
